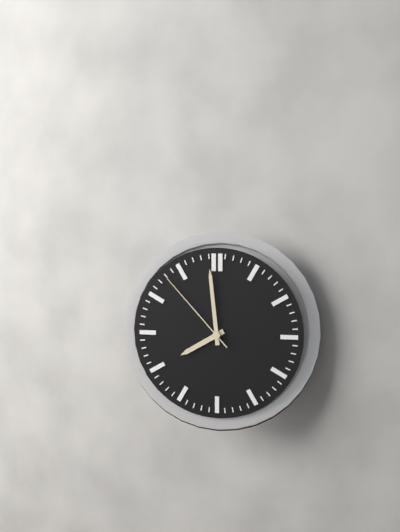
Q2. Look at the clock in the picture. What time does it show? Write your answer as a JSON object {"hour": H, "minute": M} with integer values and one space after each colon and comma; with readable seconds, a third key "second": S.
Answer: {"hour": 7, "minute": 59, "second": 53}
